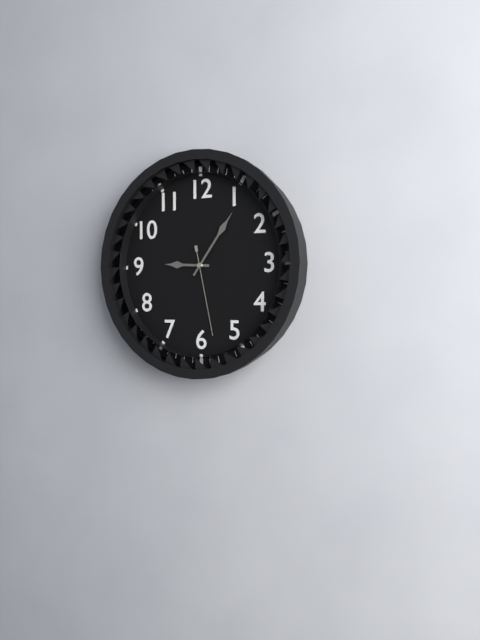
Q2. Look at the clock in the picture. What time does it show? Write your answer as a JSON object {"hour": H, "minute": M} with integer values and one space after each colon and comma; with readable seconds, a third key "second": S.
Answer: {"hour": 9, "minute": 6, "second": 28}
